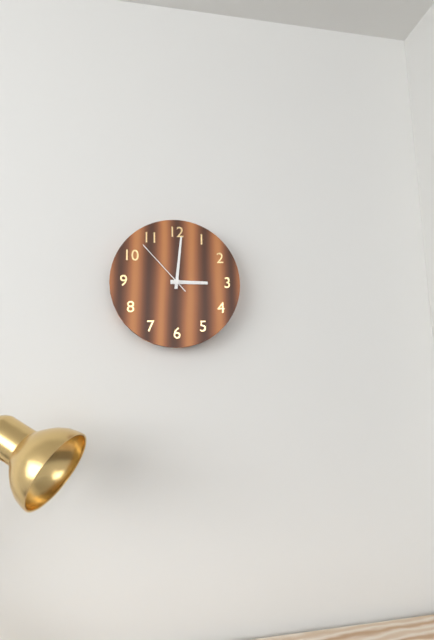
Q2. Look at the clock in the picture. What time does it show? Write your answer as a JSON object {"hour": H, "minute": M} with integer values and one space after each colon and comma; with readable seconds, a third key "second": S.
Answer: {"hour": 3, "minute": 1, "second": 53}
